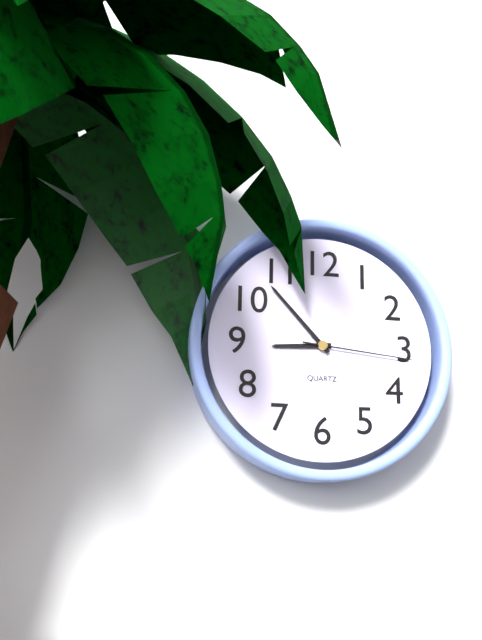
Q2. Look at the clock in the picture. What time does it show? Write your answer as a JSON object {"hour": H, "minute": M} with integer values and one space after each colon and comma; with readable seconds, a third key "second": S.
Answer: {"hour": 8, "minute": 53, "second": 16}
